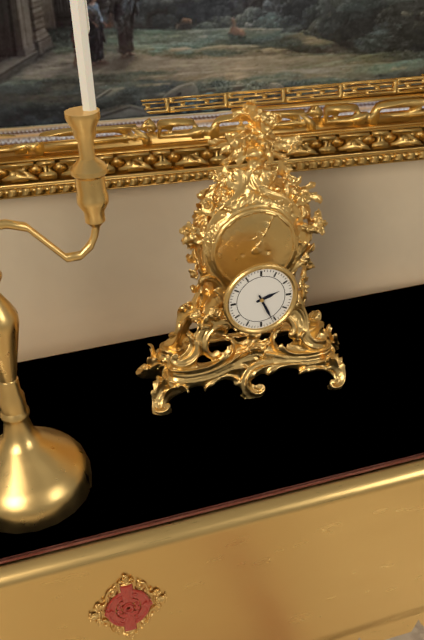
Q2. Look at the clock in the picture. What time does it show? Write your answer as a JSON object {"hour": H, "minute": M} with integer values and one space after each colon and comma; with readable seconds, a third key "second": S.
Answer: {"hour": 2, "minute": 26}
